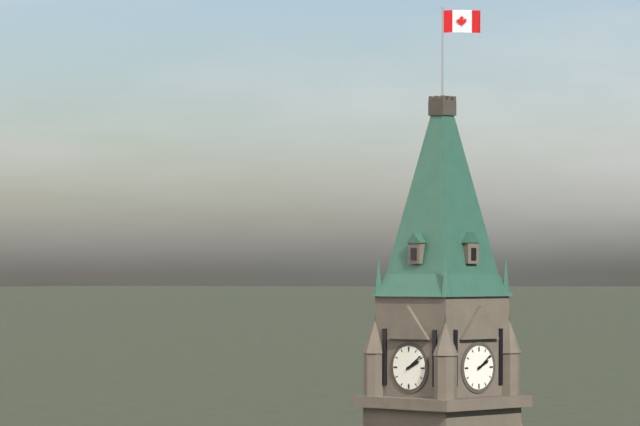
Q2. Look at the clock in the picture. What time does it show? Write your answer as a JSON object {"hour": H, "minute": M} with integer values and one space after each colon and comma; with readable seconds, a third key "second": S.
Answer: {"hour": 2, "minute": 9}
